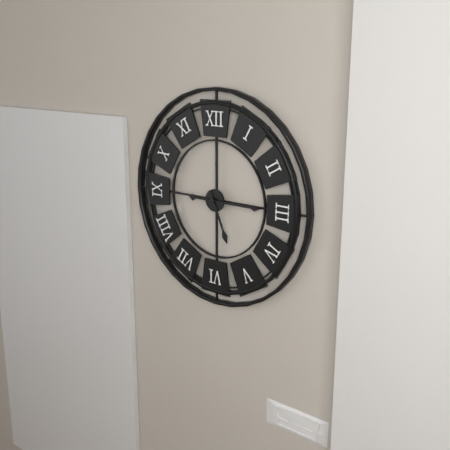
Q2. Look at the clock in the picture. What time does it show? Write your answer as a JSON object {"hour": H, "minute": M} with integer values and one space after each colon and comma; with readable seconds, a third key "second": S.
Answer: {"hour": 5, "minute": 15}
